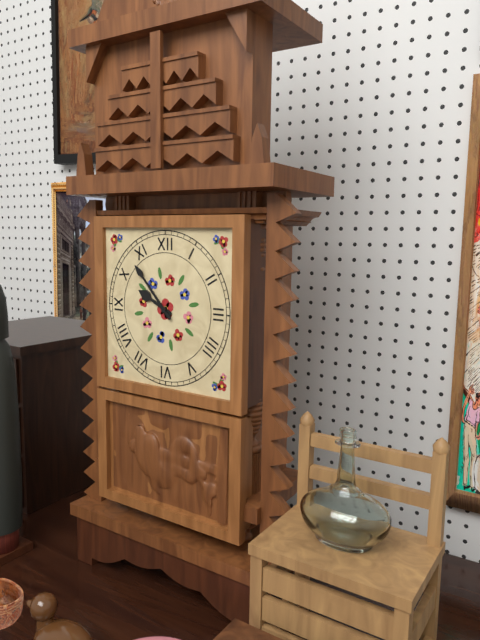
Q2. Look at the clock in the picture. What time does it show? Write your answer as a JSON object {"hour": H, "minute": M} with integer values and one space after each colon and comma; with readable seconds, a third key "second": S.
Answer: {"hour": 9, "minute": 53}
